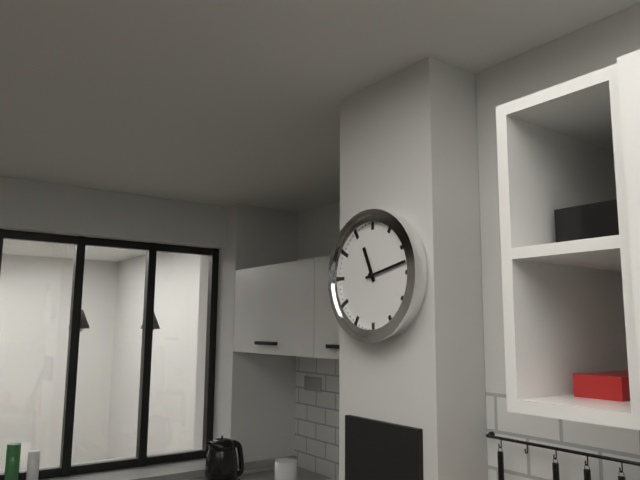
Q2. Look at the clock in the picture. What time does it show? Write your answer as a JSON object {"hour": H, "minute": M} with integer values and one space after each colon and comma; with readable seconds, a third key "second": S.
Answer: {"hour": 11, "minute": 13}
